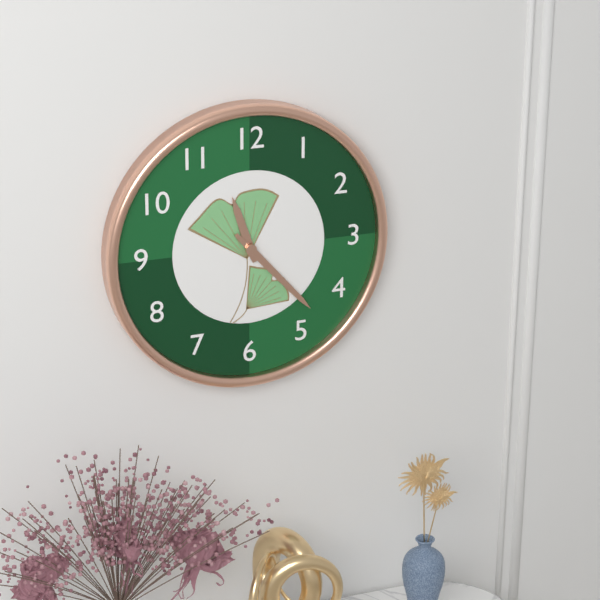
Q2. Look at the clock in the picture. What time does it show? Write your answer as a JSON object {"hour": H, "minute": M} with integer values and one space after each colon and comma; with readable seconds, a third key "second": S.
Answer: {"hour": 11, "minute": 23}
